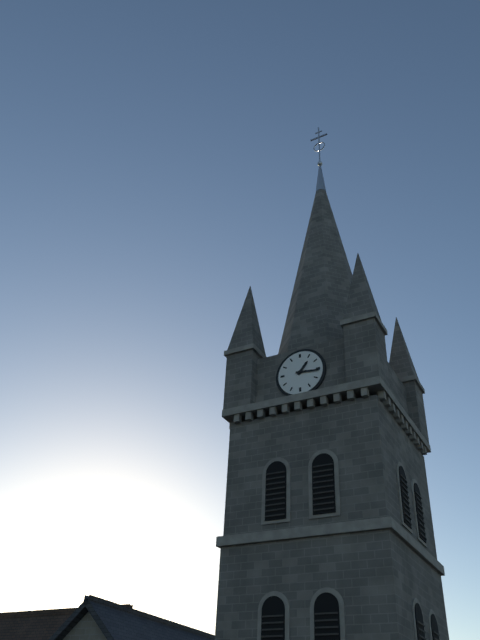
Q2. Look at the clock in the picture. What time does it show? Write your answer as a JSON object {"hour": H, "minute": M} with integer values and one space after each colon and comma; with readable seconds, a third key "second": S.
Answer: {"hour": 1, "minute": 16}
